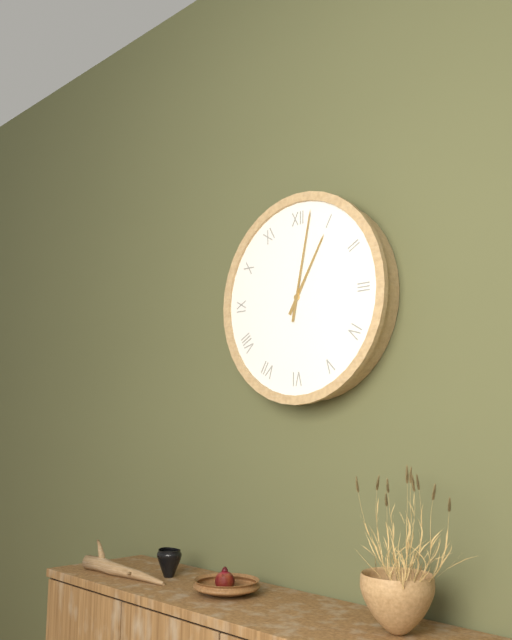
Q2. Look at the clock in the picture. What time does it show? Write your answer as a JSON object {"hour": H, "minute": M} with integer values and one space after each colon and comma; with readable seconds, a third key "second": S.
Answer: {"hour": 1, "minute": 2}
